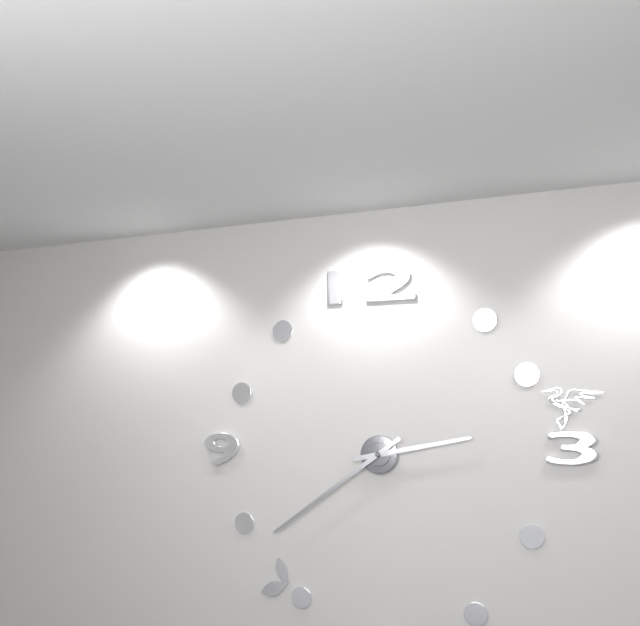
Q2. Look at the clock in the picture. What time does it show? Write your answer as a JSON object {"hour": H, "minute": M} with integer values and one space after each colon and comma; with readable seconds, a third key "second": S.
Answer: {"hour": 2, "minute": 39}
